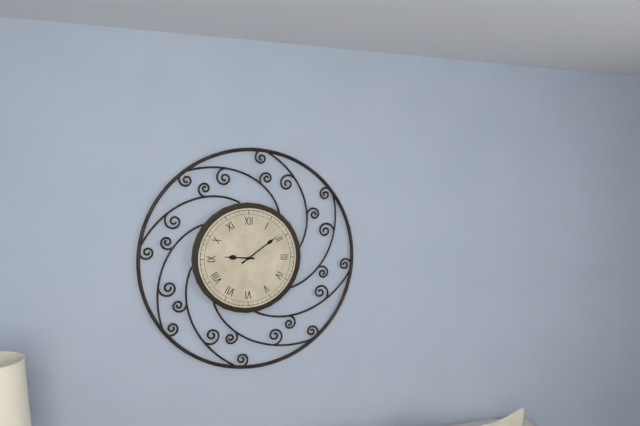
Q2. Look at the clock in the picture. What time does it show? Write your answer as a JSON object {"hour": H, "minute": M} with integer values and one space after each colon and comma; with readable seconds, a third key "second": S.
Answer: {"hour": 9, "minute": 9}
